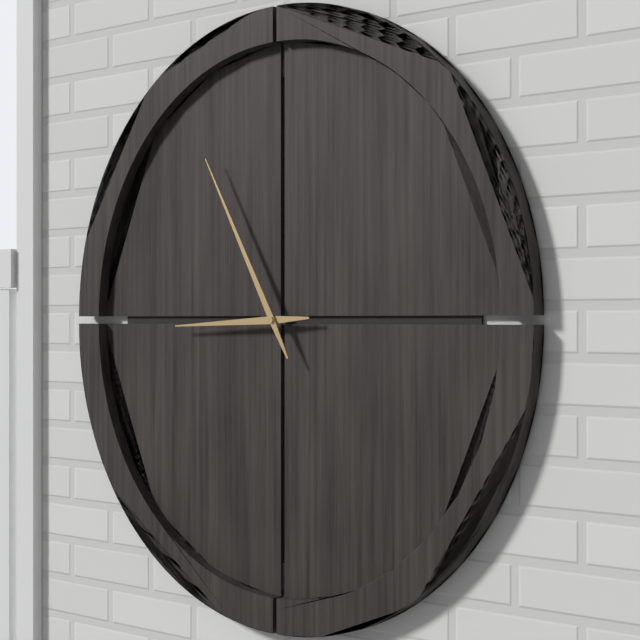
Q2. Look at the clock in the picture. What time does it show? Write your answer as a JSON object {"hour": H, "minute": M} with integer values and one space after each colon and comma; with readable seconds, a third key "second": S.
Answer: {"hour": 8, "minute": 55}
